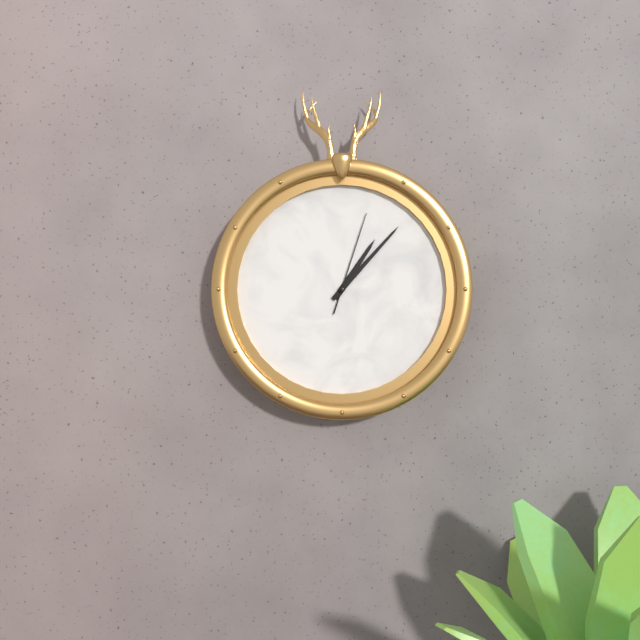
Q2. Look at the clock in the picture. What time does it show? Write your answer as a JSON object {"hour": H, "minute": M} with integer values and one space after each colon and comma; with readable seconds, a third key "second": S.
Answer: {"hour": 1, "minute": 7, "second": 3}
